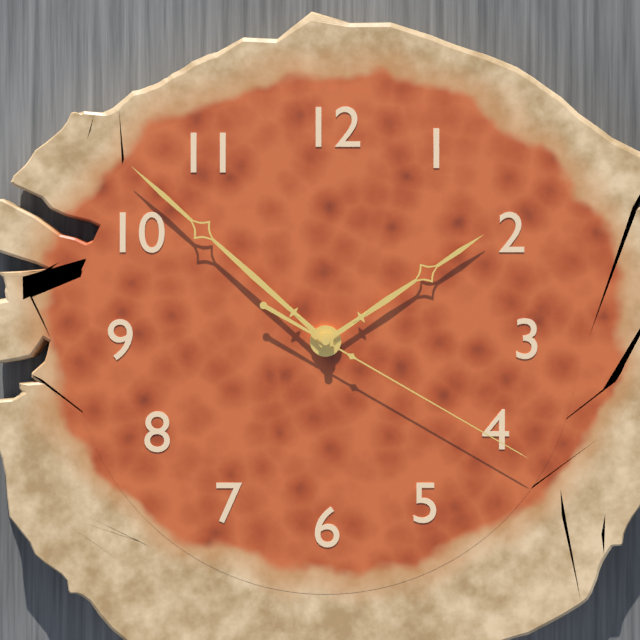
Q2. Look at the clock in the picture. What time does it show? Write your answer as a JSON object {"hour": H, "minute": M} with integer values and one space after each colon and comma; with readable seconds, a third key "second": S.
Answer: {"hour": 1, "minute": 52, "second": 20}
